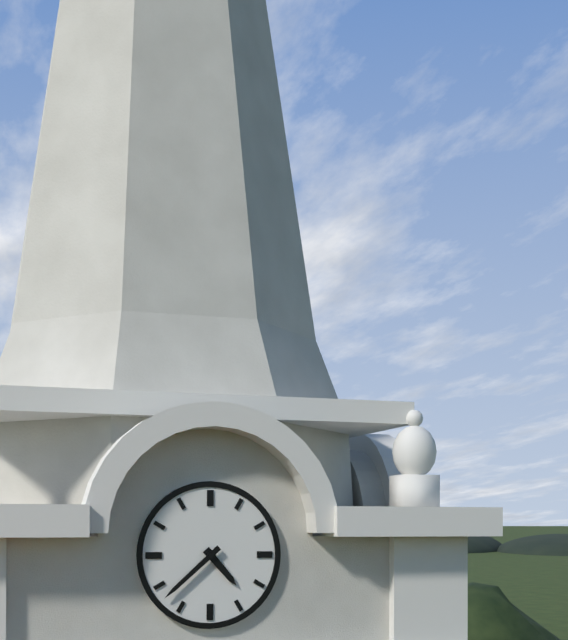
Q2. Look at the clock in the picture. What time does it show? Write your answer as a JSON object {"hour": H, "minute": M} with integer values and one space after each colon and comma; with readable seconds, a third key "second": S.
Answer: {"hour": 4, "minute": 38}
